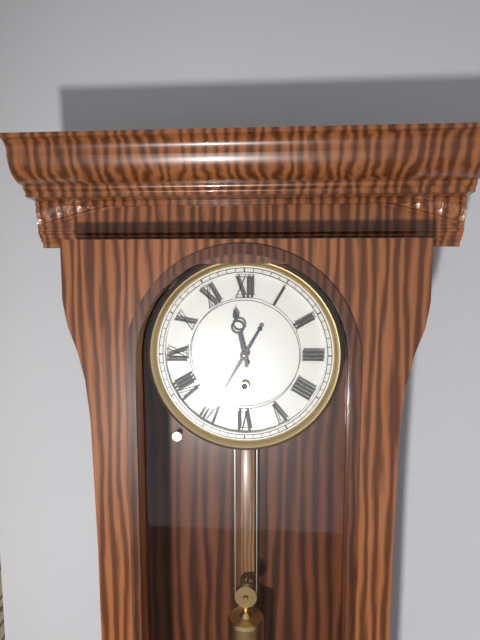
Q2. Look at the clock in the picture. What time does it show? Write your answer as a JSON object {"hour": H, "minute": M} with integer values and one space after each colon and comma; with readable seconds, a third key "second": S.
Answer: {"hour": 11, "minute": 35}
